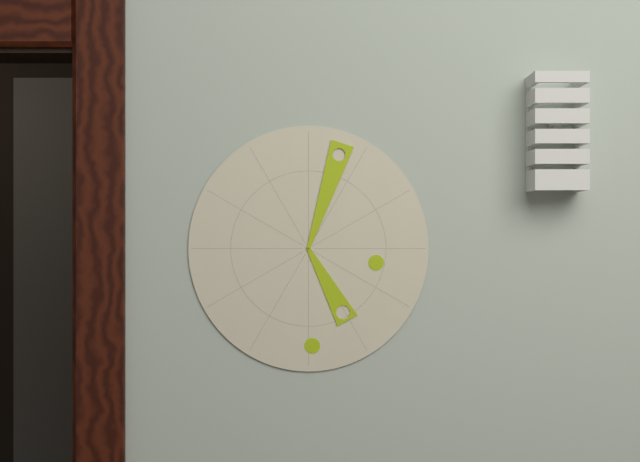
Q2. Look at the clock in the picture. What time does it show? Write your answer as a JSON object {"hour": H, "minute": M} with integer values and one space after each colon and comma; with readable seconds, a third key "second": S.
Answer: {"hour": 5, "minute": 3}
